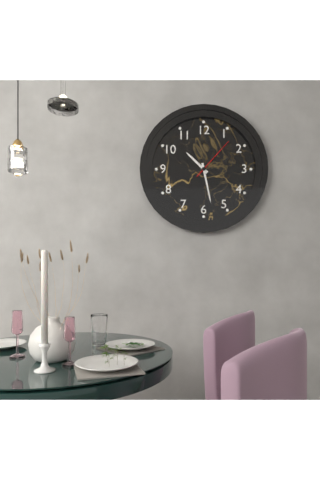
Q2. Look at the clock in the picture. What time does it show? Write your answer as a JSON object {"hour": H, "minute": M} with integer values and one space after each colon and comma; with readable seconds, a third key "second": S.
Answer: {"hour": 10, "minute": 28}
